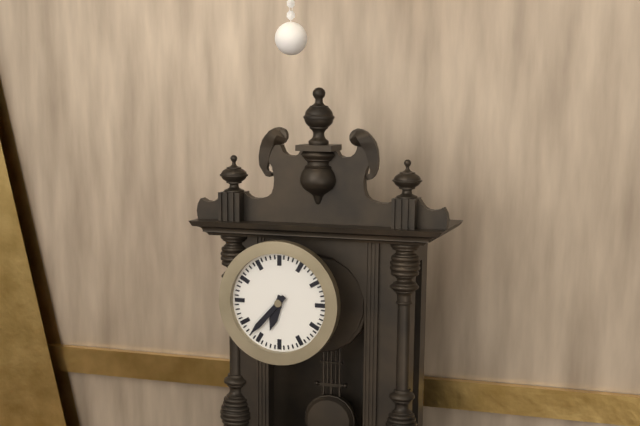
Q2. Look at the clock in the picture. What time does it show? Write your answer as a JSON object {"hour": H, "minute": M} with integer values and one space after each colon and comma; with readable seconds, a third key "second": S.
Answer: {"hour": 6, "minute": 37}
